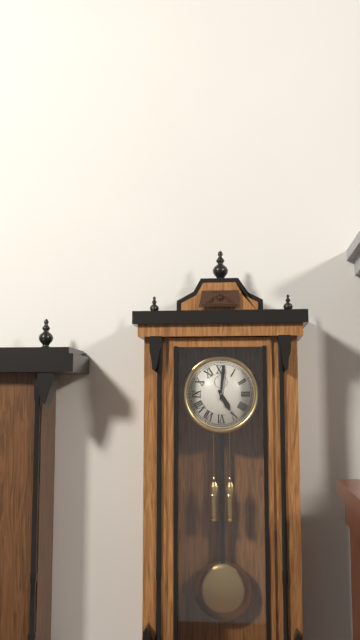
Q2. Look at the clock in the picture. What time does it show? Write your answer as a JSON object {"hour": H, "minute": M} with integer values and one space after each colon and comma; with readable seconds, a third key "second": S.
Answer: {"hour": 5, "minute": 1}
